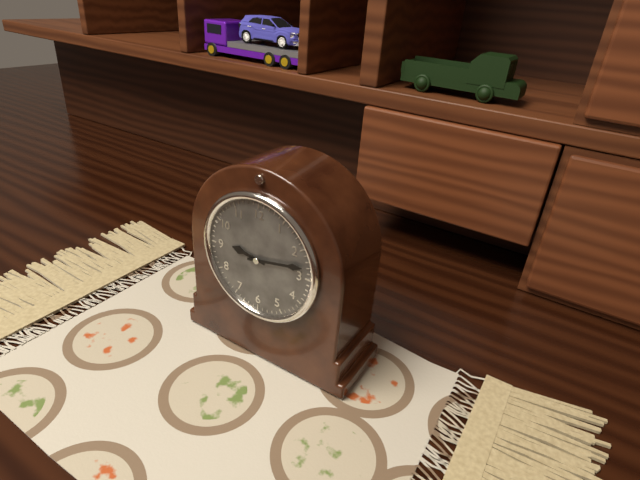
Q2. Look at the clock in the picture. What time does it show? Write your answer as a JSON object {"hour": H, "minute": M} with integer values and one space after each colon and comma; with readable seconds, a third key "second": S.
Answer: {"hour": 9, "minute": 13}
